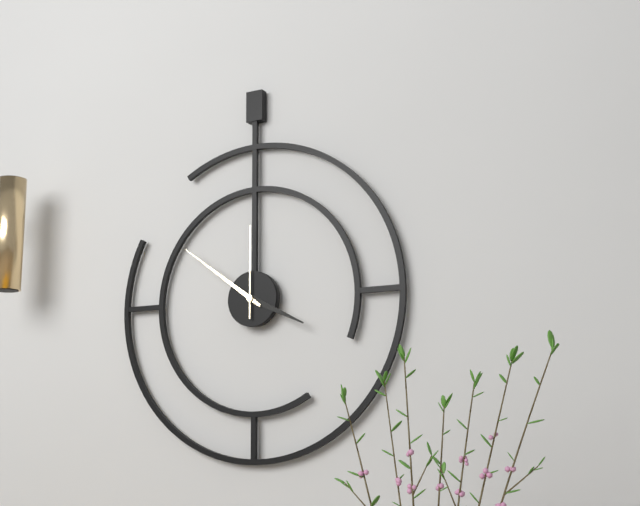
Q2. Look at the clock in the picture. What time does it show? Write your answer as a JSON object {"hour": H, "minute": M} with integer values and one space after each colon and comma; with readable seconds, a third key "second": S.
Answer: {"hour": 3, "minute": 51, "second": 0}
